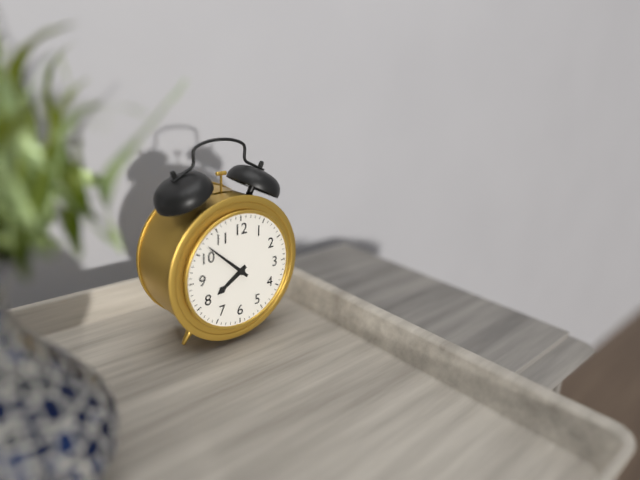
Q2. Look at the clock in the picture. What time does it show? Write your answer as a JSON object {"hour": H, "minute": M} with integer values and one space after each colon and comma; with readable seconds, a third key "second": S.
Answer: {"hour": 7, "minute": 52}
